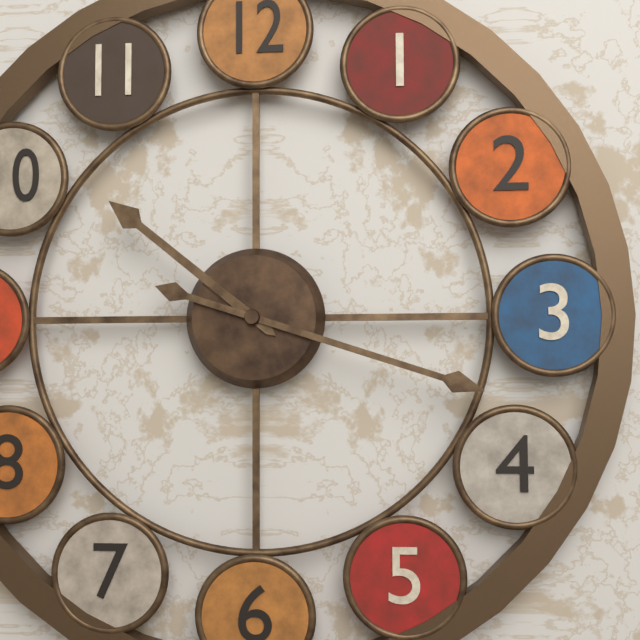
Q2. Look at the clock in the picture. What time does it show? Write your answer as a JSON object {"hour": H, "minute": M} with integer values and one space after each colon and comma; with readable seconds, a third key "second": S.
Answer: {"hour": 10, "minute": 18}
